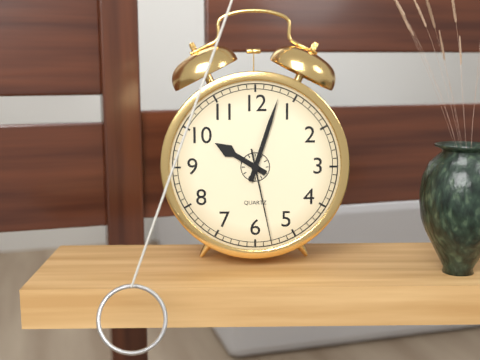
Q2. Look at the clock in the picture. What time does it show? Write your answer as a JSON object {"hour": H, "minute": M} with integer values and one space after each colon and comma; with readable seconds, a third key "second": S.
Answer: {"hour": 10, "minute": 3, "second": 28}
